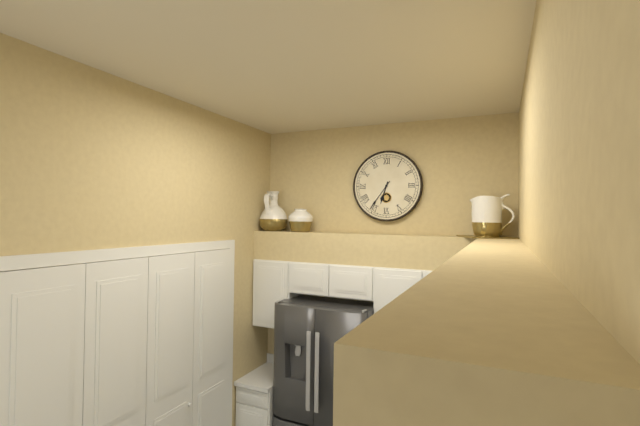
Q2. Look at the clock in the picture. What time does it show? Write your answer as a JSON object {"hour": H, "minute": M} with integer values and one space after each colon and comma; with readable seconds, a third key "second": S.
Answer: {"hour": 6, "minute": 36}
